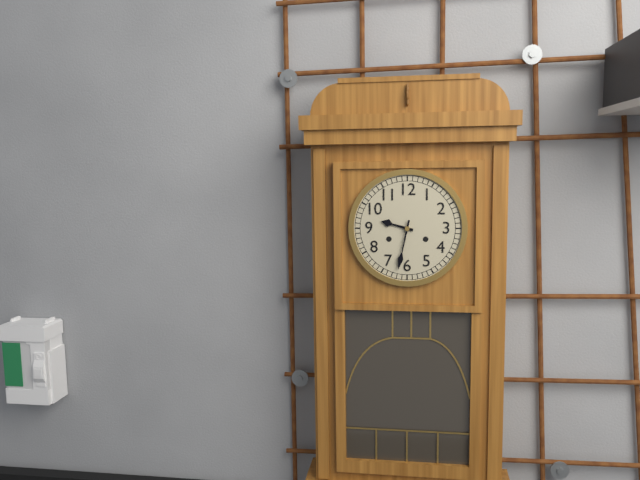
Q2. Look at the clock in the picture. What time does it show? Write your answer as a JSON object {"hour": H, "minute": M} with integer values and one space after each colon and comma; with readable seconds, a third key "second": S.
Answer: {"hour": 9, "minute": 32}
